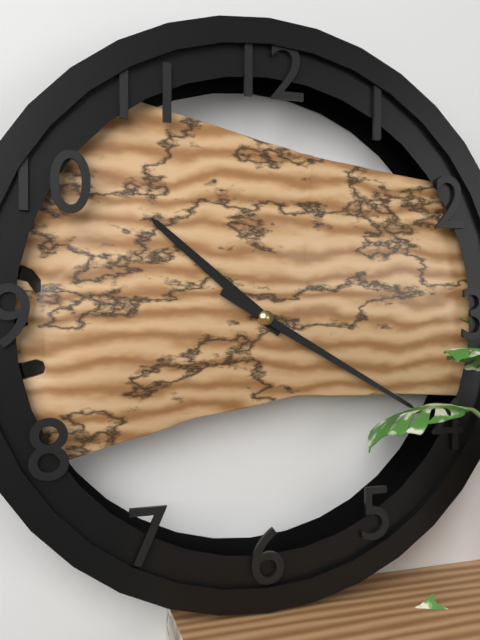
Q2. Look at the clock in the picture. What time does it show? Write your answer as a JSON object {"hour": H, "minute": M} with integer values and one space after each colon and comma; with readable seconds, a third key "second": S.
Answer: {"hour": 10, "minute": 20}
